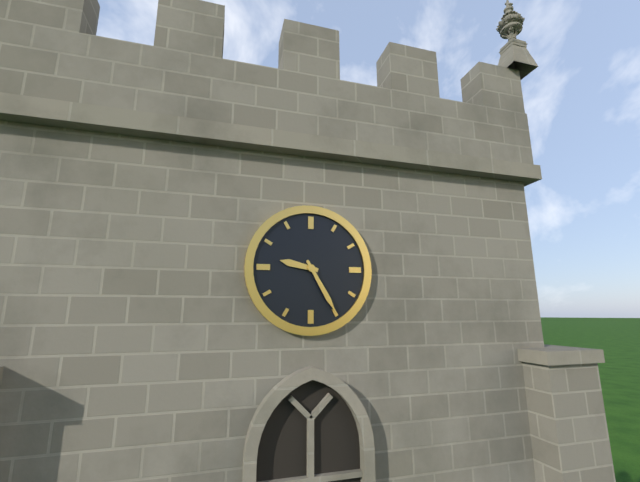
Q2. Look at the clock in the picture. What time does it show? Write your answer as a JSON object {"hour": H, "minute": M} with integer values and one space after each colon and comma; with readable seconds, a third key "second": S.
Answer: {"hour": 9, "minute": 25}
